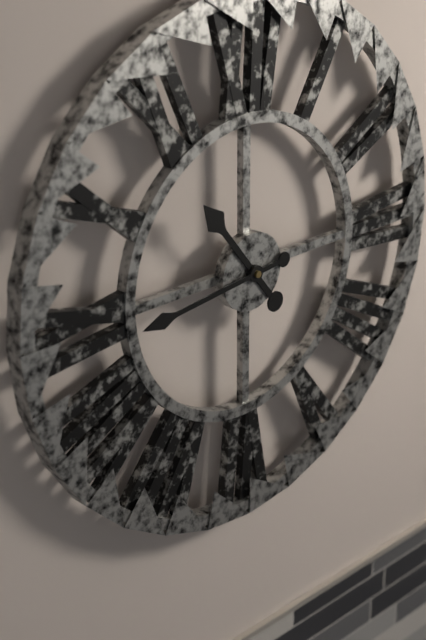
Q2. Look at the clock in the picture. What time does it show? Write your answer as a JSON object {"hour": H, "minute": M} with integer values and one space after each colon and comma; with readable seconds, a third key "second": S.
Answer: {"hour": 10, "minute": 44}
